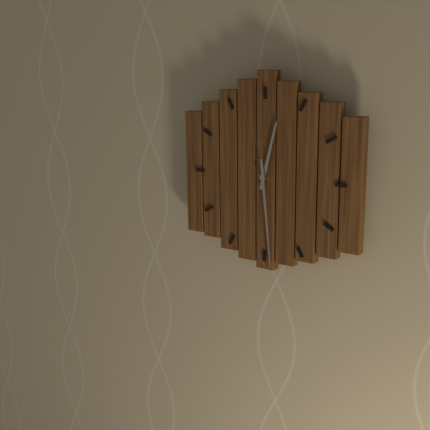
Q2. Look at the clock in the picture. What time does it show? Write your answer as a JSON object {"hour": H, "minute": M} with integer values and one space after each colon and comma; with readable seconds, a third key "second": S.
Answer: {"hour": 12, "minute": 29}
